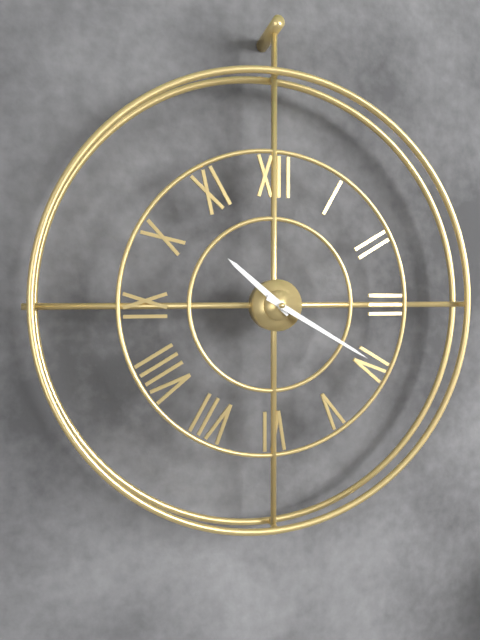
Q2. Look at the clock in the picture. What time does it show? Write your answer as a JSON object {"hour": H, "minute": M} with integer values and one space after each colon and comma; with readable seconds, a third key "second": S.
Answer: {"hour": 10, "minute": 20}
